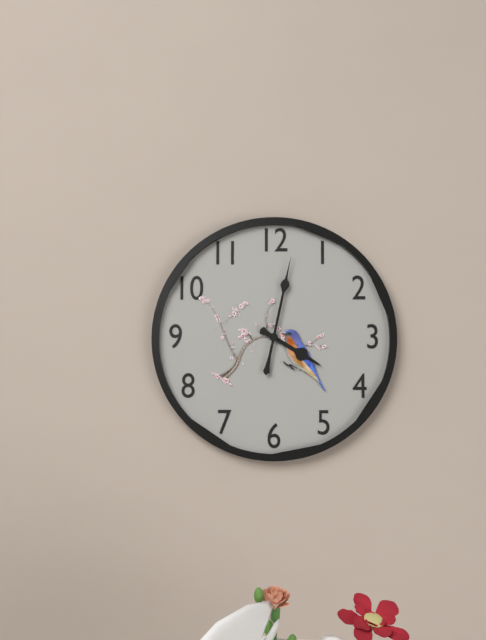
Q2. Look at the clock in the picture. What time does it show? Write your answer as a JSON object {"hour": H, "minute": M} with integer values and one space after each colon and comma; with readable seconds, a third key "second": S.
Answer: {"hour": 4, "minute": 2}
